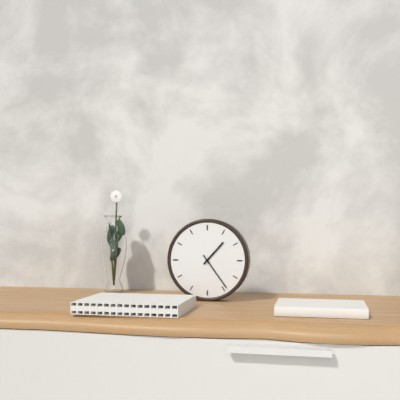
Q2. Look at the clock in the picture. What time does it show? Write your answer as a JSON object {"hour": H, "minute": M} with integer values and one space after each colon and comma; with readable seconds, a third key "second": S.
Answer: {"hour": 1, "minute": 24}
